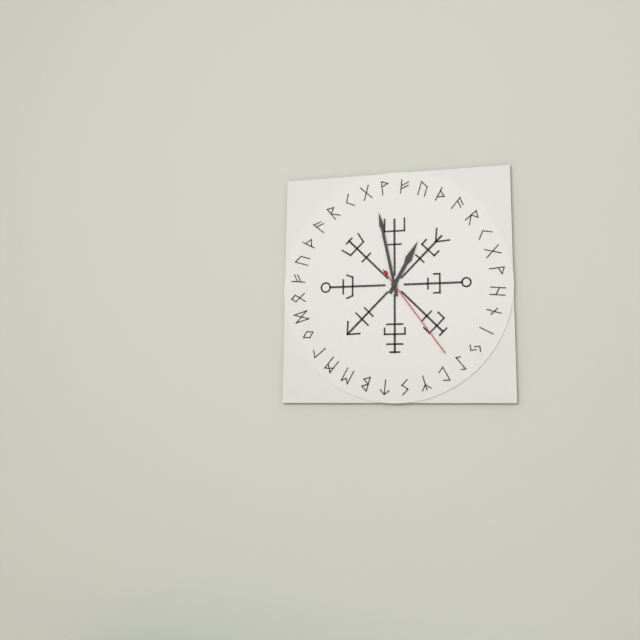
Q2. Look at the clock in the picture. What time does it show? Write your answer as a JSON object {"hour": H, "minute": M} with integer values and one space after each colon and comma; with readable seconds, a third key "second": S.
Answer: {"hour": 12, "minute": 58, "second": 24}
